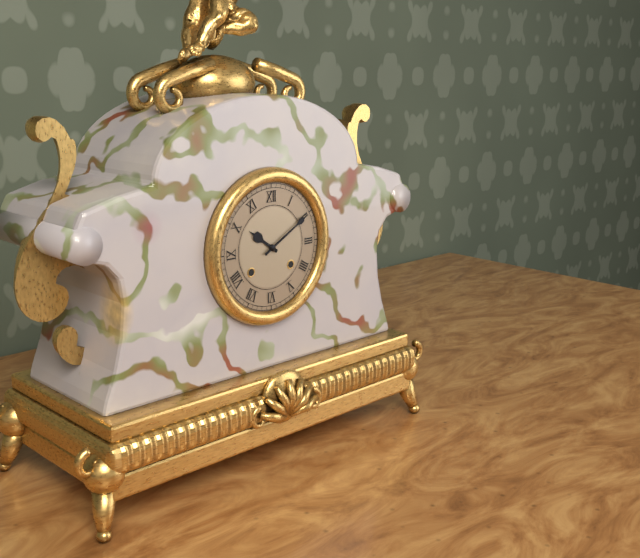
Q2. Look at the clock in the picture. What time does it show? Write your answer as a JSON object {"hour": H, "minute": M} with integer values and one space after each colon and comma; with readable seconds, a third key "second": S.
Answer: {"hour": 10, "minute": 10}
